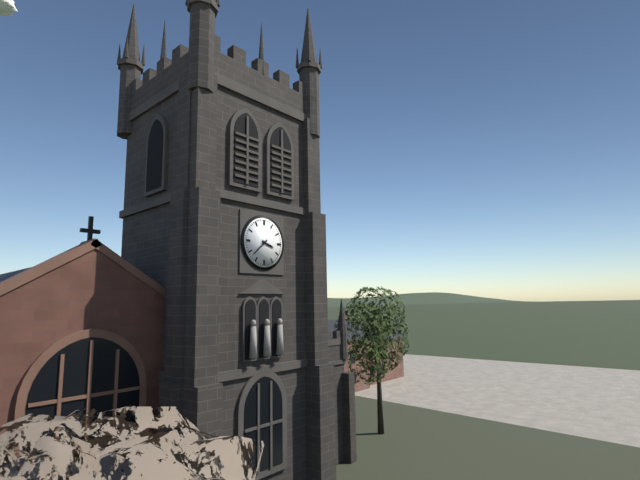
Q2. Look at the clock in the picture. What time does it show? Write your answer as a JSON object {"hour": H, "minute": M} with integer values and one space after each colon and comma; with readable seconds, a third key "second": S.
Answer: {"hour": 3, "minute": 38}
